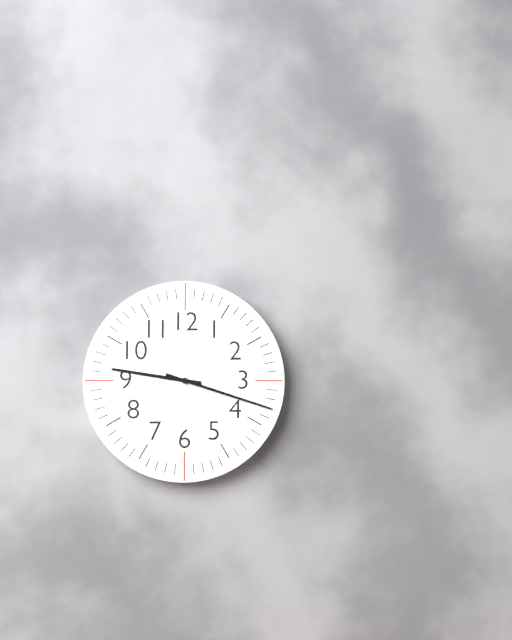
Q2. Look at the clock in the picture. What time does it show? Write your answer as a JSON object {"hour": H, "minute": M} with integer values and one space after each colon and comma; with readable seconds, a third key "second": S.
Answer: {"hour": 9, "minute": 18}
